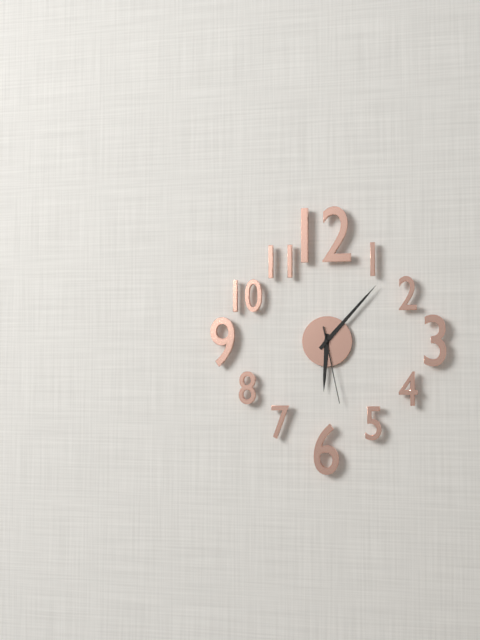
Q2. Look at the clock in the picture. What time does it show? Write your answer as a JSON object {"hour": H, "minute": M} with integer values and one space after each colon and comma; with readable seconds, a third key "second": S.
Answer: {"hour": 6, "minute": 7, "second": 28}
